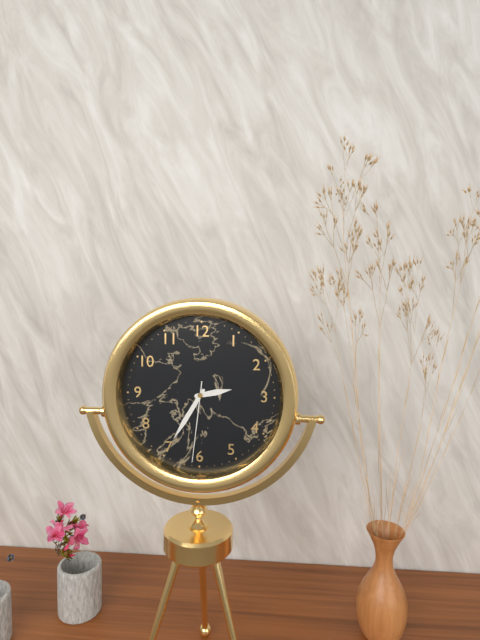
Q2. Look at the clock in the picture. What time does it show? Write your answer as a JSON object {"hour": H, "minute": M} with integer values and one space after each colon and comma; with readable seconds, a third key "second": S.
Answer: {"hour": 2, "minute": 35, "second": 31}
